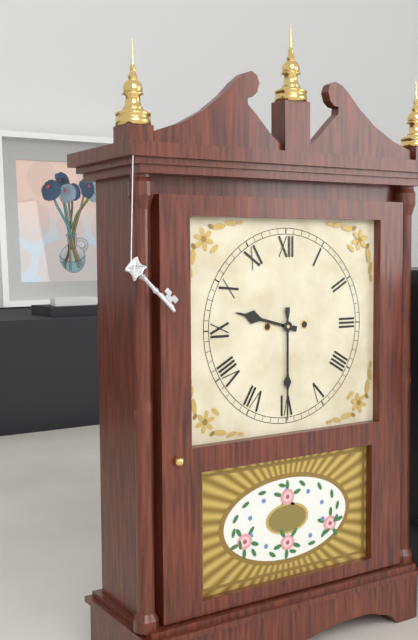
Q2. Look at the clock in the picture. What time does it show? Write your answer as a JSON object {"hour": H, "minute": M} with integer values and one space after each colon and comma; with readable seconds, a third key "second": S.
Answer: {"hour": 9, "minute": 30}
